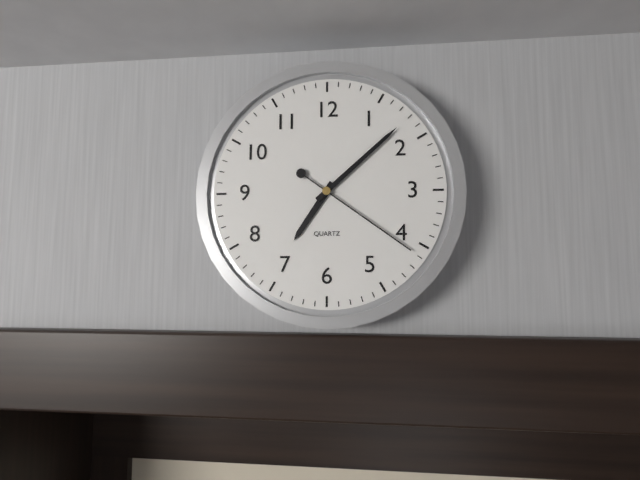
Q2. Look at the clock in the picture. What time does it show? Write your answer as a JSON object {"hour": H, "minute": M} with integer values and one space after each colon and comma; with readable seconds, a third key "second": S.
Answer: {"hour": 7, "minute": 8, "second": 21}
